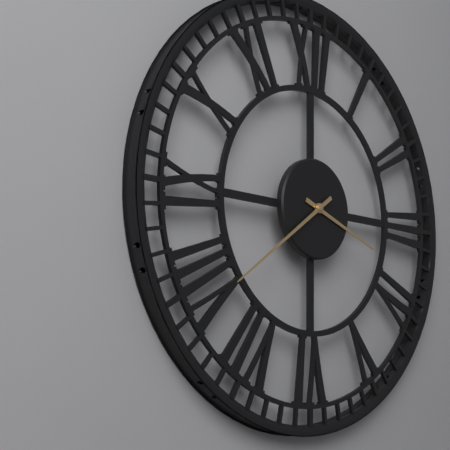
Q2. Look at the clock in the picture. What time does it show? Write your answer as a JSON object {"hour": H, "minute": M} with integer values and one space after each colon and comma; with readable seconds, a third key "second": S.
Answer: {"hour": 3, "minute": 39}
